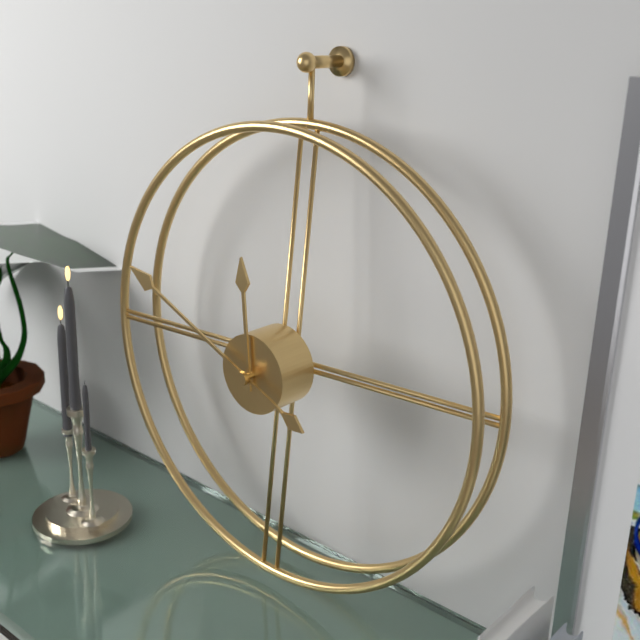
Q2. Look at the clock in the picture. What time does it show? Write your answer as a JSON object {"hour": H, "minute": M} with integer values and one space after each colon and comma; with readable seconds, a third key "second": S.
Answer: {"hour": 11, "minute": 49}
